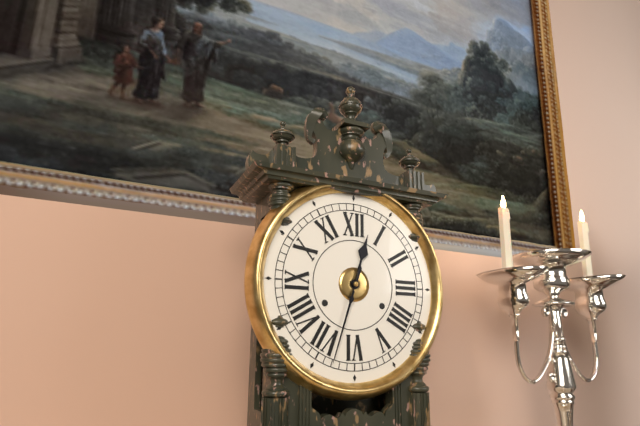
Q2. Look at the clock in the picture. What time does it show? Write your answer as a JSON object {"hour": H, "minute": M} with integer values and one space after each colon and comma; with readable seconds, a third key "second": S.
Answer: {"hour": 12, "minute": 33}
